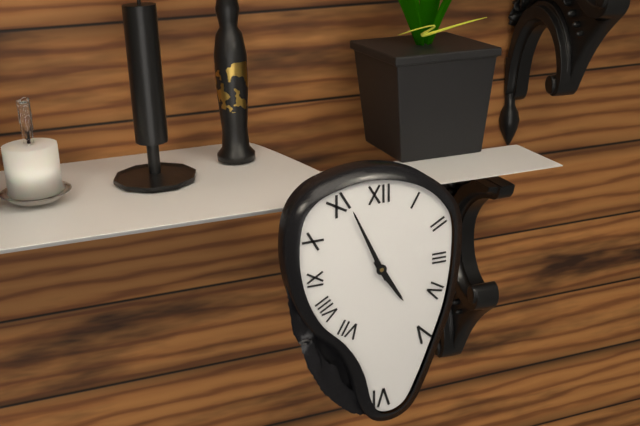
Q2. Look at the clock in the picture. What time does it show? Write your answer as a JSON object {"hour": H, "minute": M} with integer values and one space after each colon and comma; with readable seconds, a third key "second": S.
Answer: {"hour": 4, "minute": 56}
